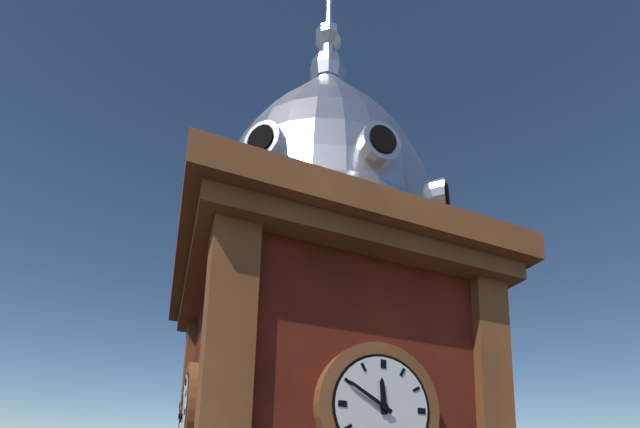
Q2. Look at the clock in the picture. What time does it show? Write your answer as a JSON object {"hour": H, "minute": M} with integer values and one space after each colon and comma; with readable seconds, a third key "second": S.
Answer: {"hour": 11, "minute": 50}
